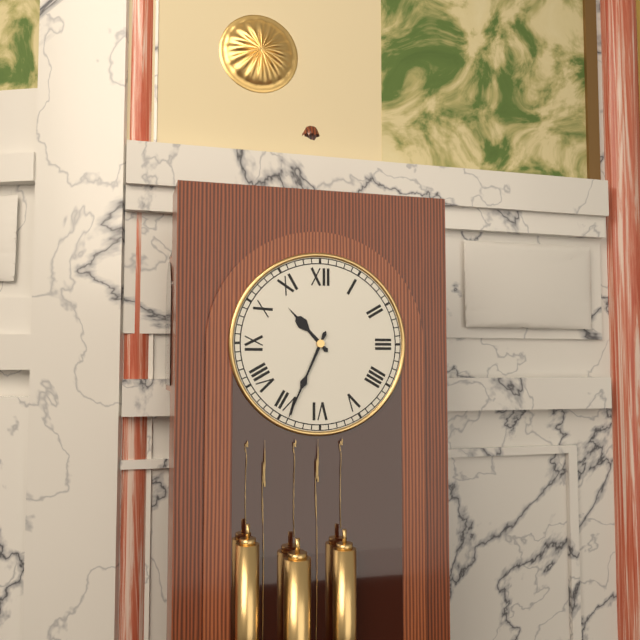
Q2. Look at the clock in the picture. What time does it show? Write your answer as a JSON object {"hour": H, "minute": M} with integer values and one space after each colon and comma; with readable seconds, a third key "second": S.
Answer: {"hour": 10, "minute": 34}
